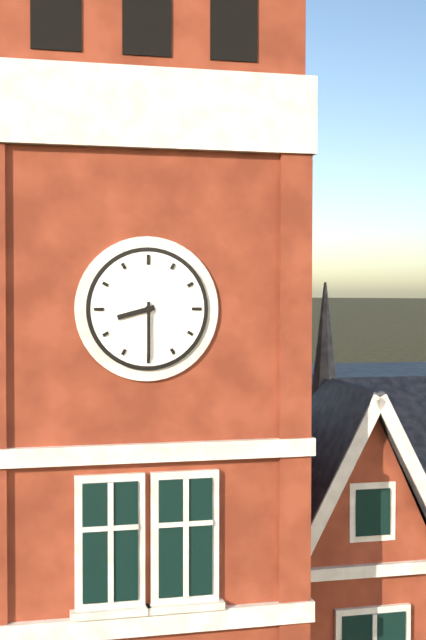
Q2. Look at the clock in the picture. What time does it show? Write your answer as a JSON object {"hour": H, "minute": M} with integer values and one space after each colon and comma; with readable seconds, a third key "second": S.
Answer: {"hour": 8, "minute": 30}
